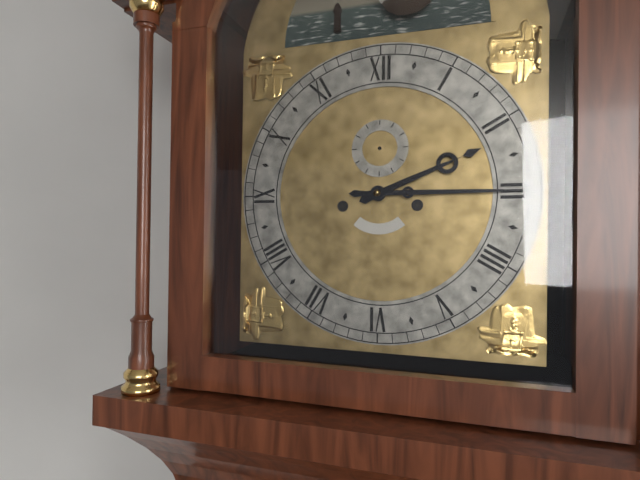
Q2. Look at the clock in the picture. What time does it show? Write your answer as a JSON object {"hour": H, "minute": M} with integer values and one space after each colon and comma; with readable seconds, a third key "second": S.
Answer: {"hour": 2, "minute": 15}
